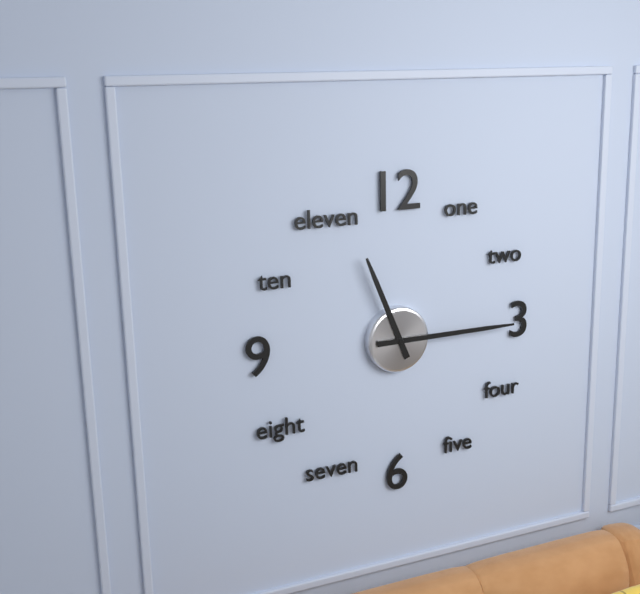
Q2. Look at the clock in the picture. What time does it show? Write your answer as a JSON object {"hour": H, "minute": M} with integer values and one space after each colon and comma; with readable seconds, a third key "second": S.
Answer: {"hour": 11, "minute": 15}
